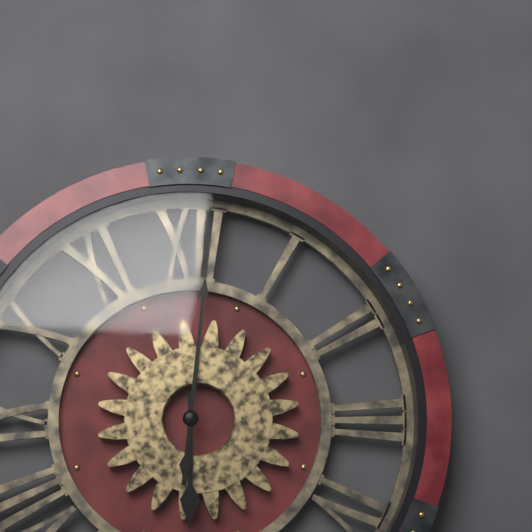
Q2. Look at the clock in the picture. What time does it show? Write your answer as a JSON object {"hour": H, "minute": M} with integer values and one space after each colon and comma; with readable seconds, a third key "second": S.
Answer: {"hour": 6, "minute": 1}
